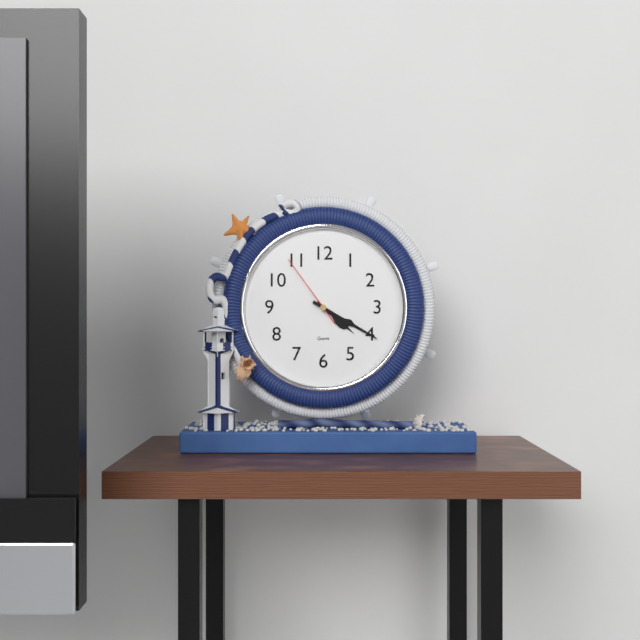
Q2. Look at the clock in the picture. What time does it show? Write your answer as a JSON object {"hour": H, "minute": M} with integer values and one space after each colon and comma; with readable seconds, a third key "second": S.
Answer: {"hour": 4, "minute": 20, "second": 54}
